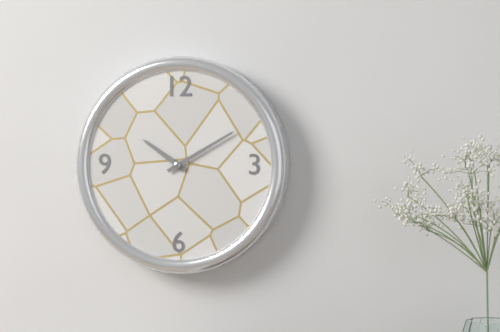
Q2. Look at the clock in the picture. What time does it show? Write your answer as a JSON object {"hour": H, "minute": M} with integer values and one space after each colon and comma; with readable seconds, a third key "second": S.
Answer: {"hour": 10, "minute": 10}
